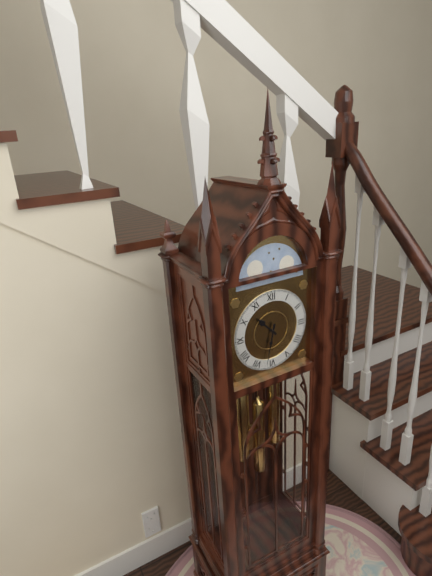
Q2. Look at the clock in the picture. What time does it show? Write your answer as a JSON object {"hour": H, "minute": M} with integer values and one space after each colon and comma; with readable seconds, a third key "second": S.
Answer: {"hour": 10, "minute": 32}
